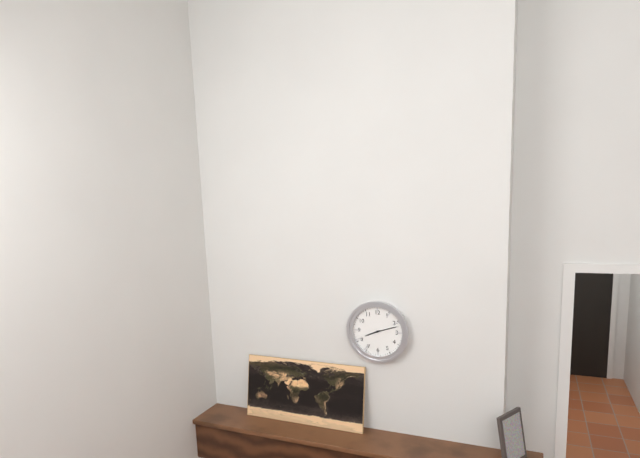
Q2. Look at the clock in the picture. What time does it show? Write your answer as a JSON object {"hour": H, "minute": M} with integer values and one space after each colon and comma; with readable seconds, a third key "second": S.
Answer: {"hour": 8, "minute": 12}
